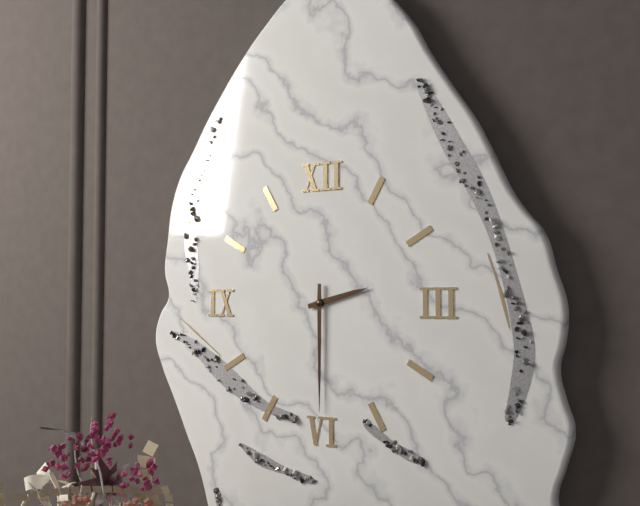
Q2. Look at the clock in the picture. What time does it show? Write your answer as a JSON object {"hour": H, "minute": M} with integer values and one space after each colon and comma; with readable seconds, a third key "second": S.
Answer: {"hour": 2, "minute": 30}
